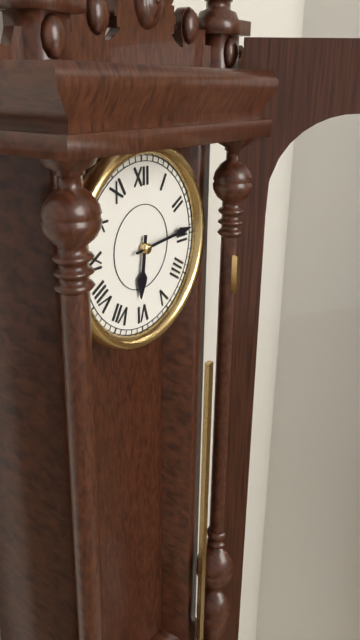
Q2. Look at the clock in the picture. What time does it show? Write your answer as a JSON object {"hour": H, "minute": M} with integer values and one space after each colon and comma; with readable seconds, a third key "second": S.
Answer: {"hour": 6, "minute": 14}
